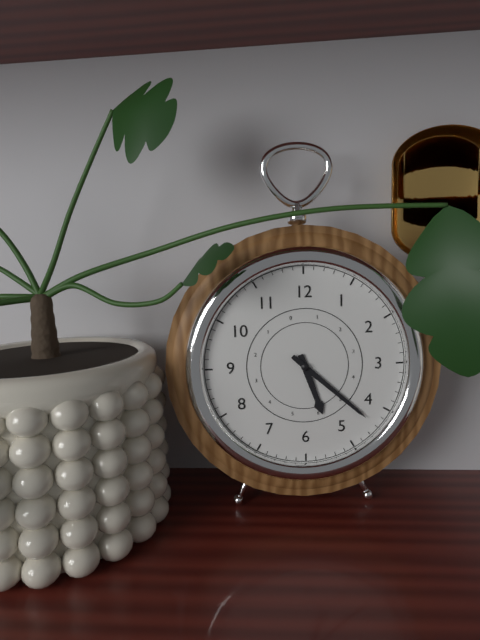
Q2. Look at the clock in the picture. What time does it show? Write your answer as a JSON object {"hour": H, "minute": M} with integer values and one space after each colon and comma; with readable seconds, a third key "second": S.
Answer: {"hour": 5, "minute": 22}
